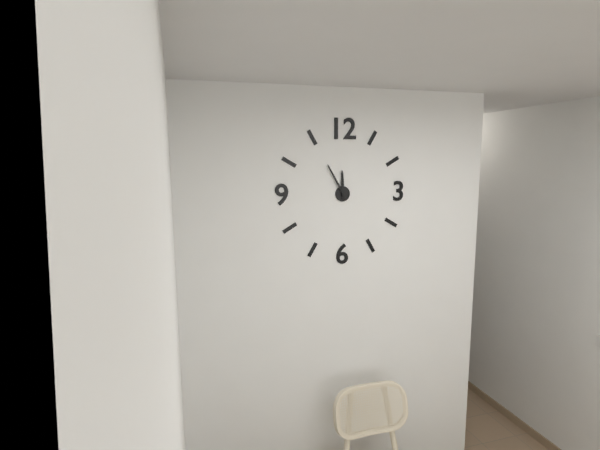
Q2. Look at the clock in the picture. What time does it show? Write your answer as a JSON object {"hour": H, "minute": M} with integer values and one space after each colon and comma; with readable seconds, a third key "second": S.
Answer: {"hour": 11, "minute": 55}
